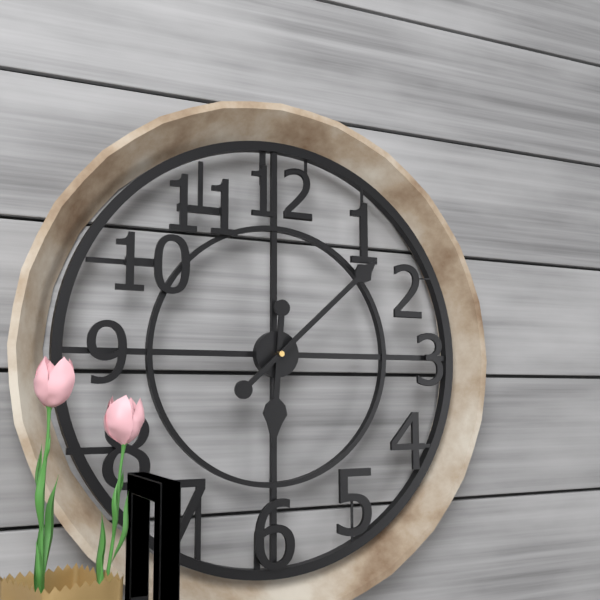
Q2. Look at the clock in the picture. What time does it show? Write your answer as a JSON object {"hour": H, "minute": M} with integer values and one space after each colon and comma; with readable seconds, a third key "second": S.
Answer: {"hour": 6, "minute": 8}
